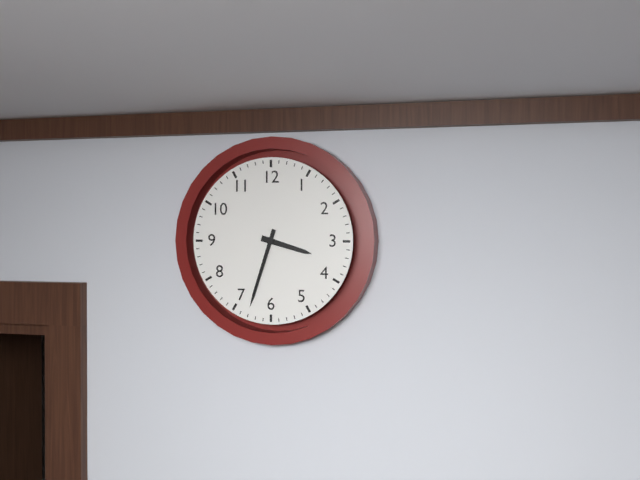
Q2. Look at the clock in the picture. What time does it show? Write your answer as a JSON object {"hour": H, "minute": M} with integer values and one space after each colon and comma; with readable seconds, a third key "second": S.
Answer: {"hour": 3, "minute": 33}
